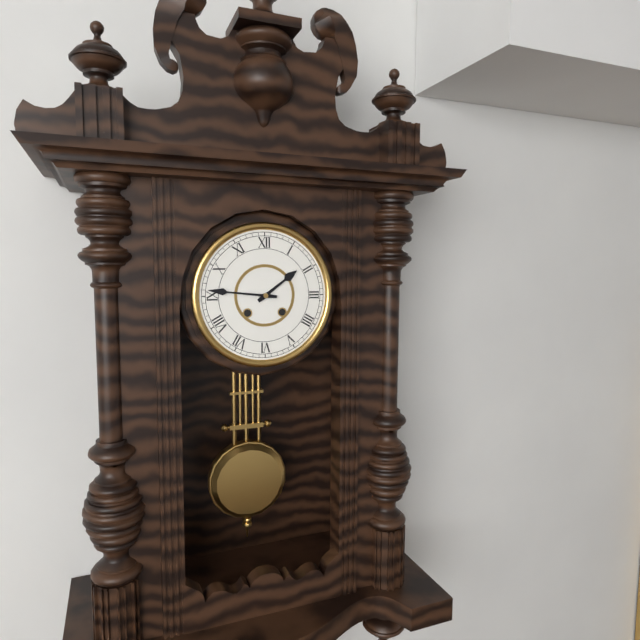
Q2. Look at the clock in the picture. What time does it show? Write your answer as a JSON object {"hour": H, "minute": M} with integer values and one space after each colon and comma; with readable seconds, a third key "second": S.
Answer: {"hour": 1, "minute": 46}
